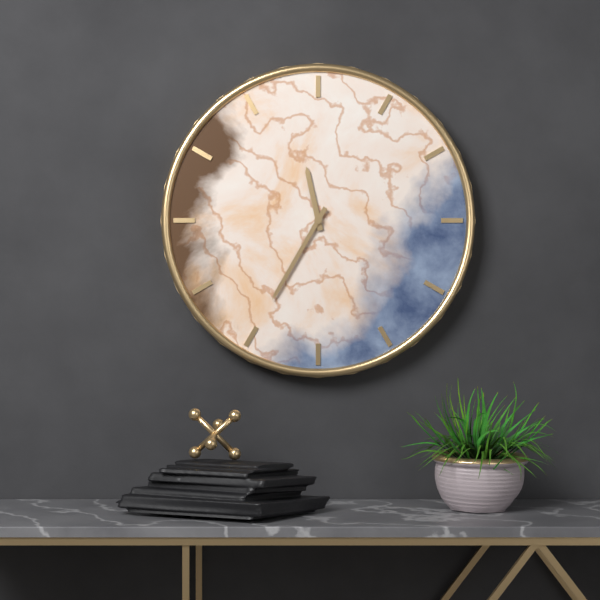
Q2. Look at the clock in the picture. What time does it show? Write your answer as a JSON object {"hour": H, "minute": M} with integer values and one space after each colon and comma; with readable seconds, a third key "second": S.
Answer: {"hour": 11, "minute": 35}
